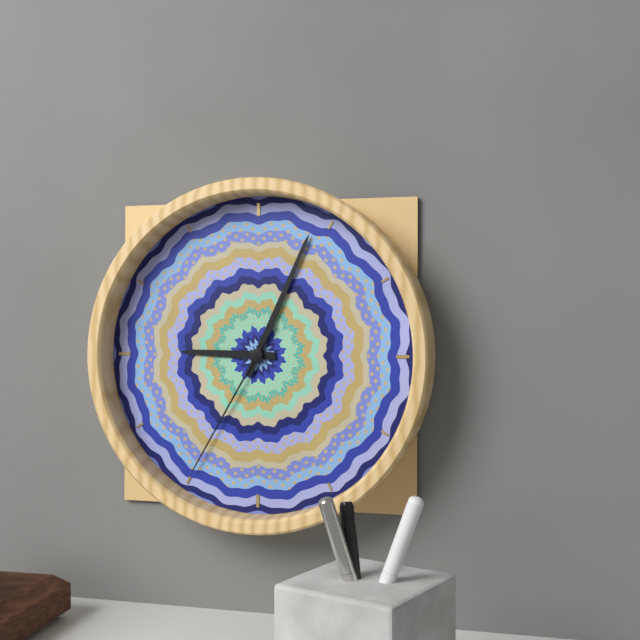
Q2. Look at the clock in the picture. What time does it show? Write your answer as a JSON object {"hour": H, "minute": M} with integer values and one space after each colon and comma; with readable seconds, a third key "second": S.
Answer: {"hour": 9, "minute": 4, "second": 35}
